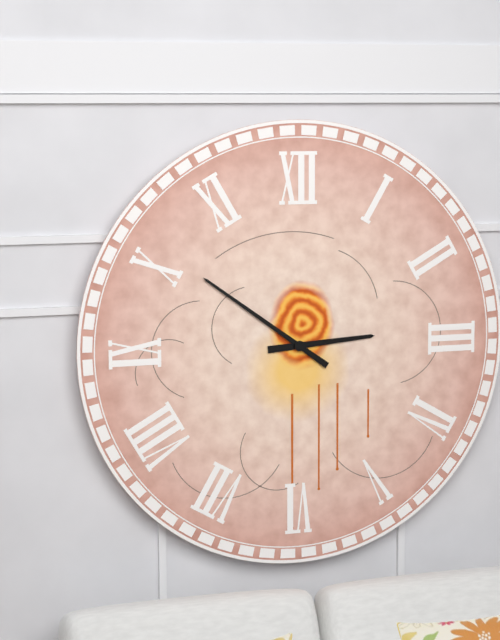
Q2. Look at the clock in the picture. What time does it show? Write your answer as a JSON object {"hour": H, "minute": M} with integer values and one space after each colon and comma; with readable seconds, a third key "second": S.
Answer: {"hour": 2, "minute": 51}
